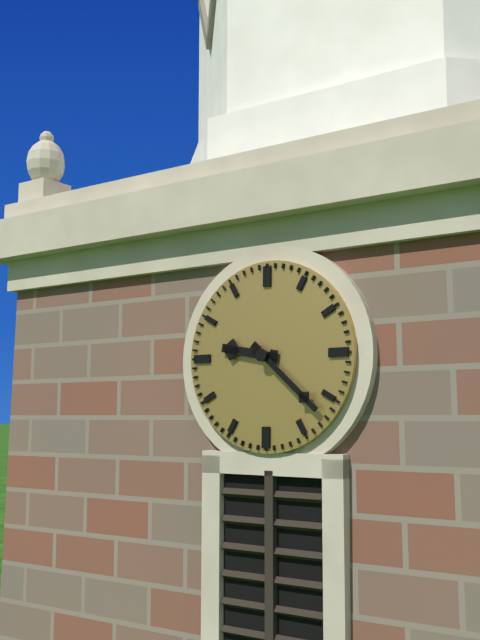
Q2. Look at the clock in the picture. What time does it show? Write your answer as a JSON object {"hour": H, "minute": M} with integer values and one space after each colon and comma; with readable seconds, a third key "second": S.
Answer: {"hour": 9, "minute": 22}
